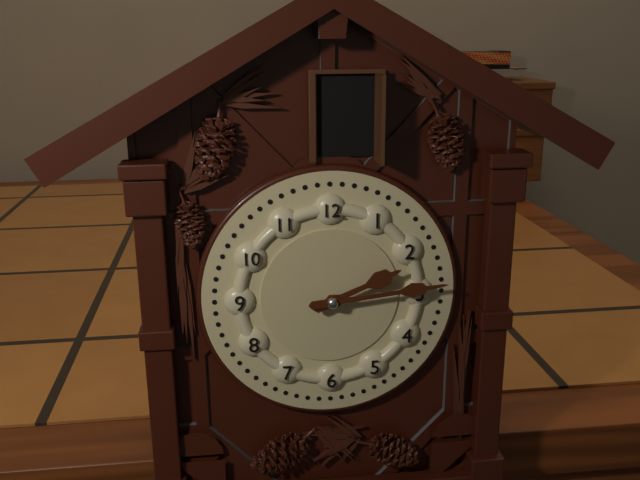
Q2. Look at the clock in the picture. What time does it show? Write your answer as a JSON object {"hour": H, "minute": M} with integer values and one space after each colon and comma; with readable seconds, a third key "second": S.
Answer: {"hour": 2, "minute": 14}
